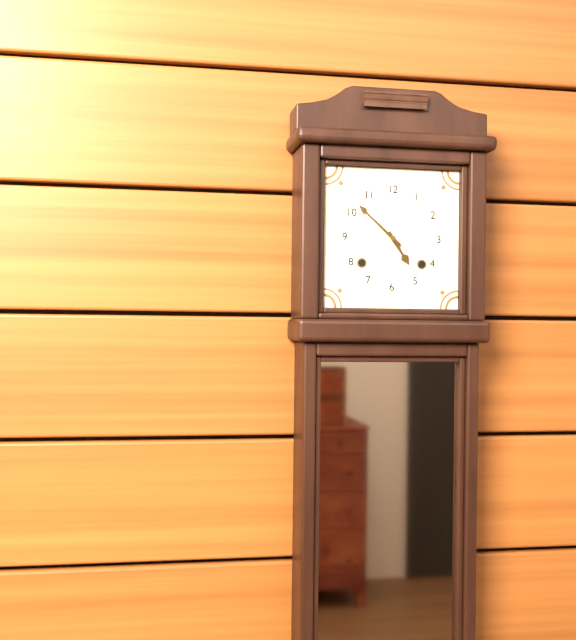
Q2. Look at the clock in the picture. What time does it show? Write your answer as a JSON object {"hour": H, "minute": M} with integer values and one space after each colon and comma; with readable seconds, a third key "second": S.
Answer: {"hour": 4, "minute": 52}
